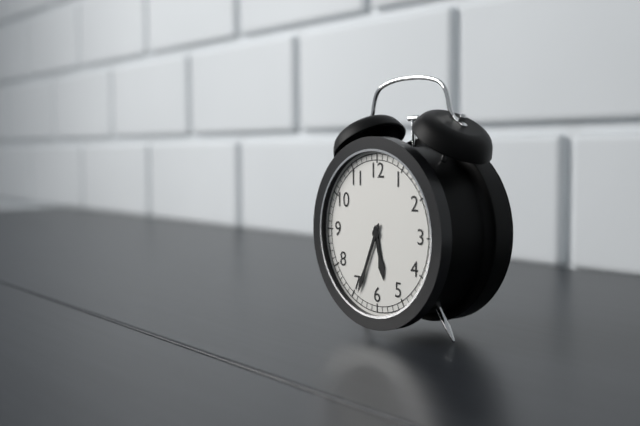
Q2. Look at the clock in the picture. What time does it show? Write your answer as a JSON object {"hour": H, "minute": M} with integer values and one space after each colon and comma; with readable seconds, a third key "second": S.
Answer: {"hour": 5, "minute": 34}
